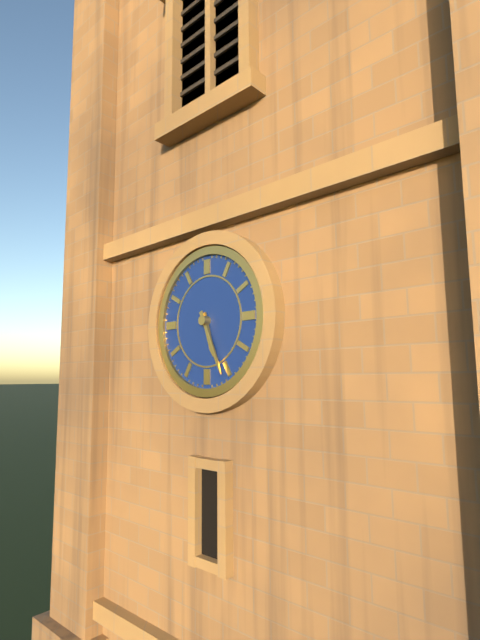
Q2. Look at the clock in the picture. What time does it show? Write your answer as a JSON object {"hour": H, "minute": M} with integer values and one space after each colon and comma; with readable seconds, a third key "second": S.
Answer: {"hour": 5, "minute": 26}
